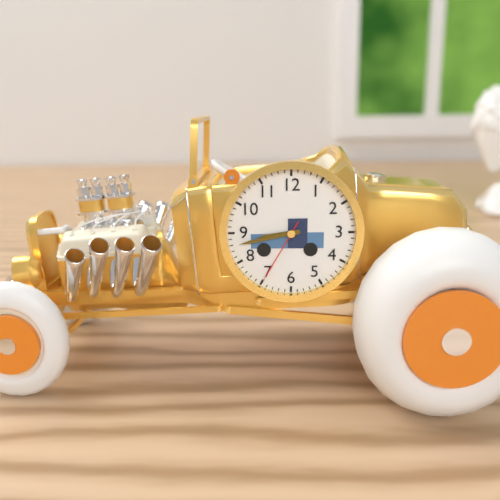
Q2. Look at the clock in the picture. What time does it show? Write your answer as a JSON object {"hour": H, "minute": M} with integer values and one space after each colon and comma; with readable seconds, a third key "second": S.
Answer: {"hour": 8, "minute": 43, "second": 35}
